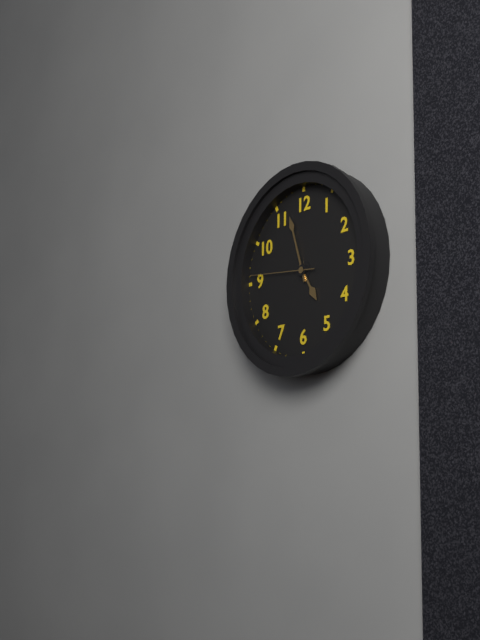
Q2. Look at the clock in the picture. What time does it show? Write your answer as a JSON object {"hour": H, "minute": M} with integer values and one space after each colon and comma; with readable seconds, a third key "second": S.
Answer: {"hour": 4, "minute": 57, "second": 46}
